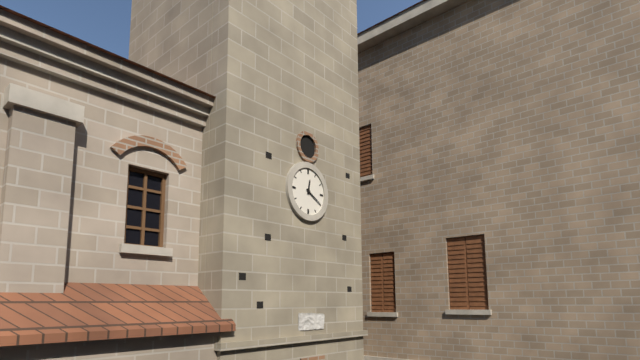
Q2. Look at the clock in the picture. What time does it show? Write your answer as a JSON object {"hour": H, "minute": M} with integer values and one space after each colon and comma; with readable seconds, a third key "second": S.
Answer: {"hour": 12, "minute": 20}
